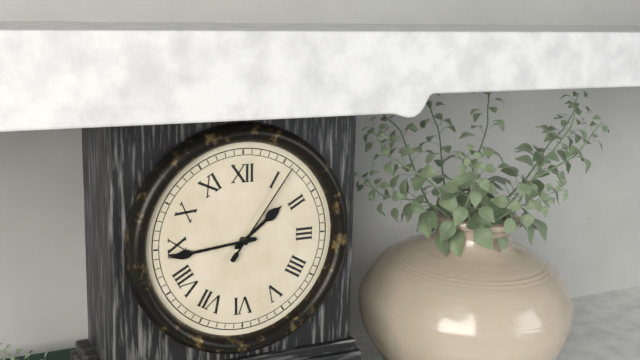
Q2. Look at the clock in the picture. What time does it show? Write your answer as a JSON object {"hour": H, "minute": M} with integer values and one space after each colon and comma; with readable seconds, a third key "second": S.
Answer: {"hour": 1, "minute": 44, "second": 6}
